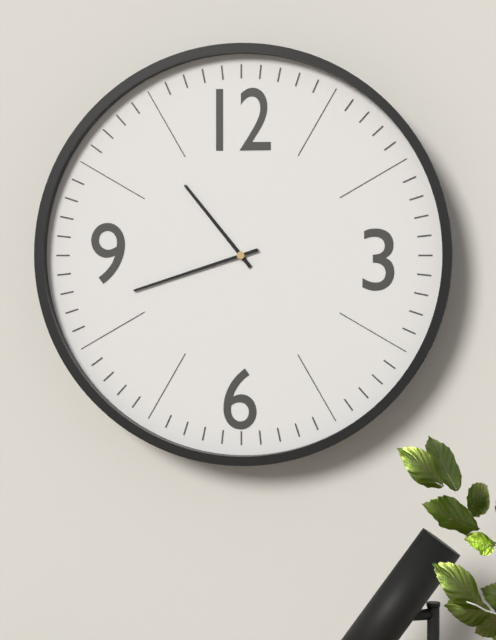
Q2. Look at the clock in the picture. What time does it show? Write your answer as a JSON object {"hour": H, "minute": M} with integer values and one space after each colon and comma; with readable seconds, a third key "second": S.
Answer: {"hour": 10, "minute": 42}
